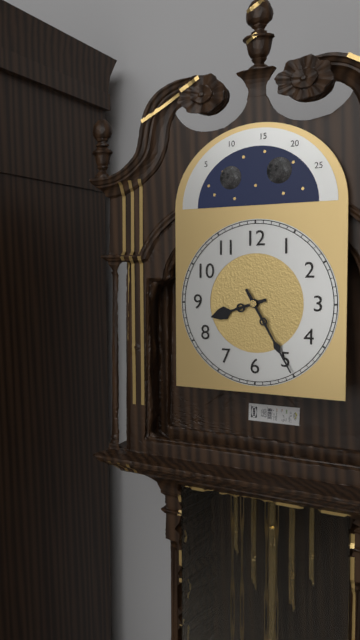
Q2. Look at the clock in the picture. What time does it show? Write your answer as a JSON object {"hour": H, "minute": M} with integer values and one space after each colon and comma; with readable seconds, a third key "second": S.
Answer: {"hour": 8, "minute": 25}
